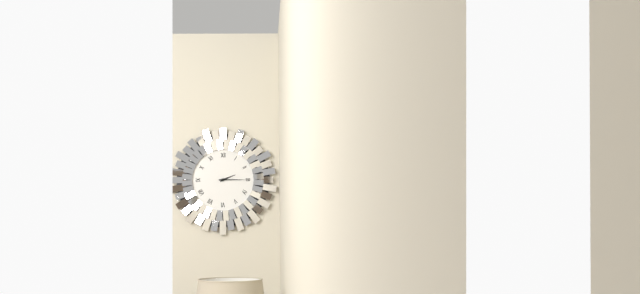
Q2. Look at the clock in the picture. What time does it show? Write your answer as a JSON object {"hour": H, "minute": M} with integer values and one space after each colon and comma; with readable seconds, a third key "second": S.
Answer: {"hour": 2, "minute": 15}
